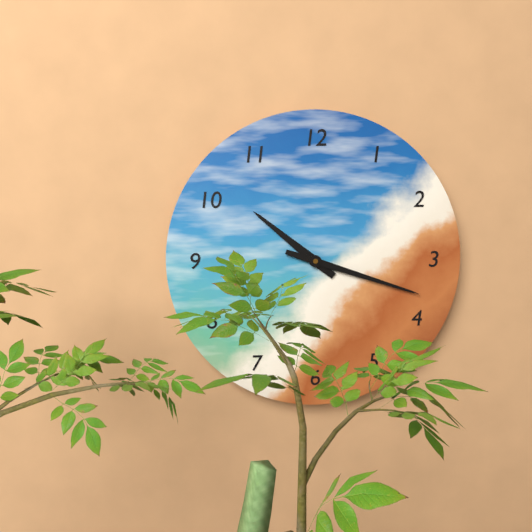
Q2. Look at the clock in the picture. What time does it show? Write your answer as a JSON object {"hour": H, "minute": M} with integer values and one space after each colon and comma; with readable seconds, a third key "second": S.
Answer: {"hour": 10, "minute": 18}
